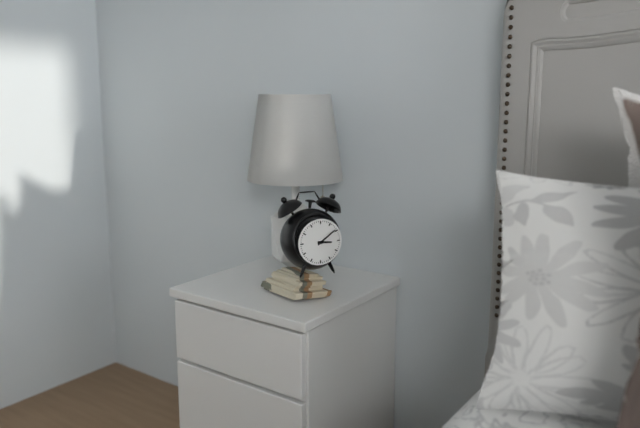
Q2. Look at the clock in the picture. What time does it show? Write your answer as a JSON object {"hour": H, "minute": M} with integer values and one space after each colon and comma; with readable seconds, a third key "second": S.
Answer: {"hour": 3, "minute": 9}
